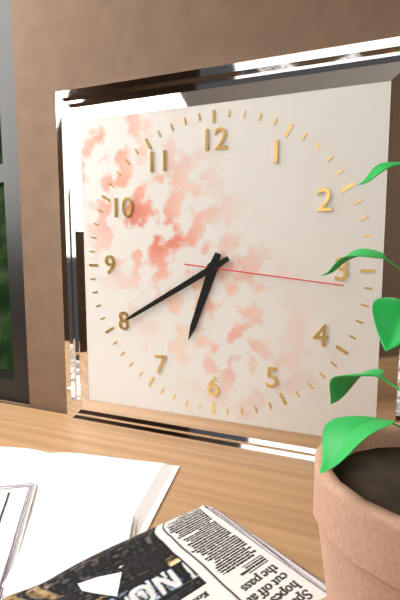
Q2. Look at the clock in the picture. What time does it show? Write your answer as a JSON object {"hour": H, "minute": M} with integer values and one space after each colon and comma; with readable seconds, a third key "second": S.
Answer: {"hour": 6, "minute": 40, "second": 16}
